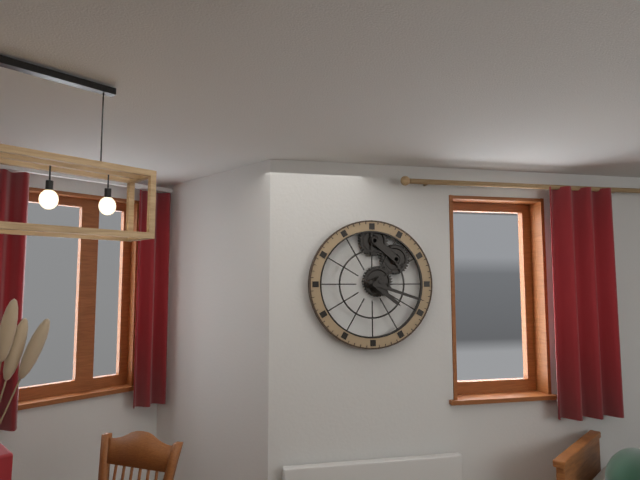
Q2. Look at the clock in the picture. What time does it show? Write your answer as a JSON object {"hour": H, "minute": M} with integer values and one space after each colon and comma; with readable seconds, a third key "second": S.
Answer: {"hour": 4, "minute": 18}
